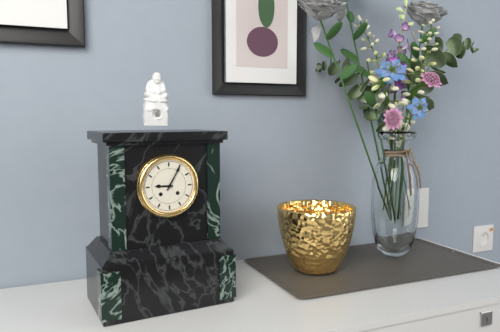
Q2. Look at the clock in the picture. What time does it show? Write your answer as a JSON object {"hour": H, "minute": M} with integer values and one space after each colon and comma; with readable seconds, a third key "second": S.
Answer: {"hour": 9, "minute": 5}
